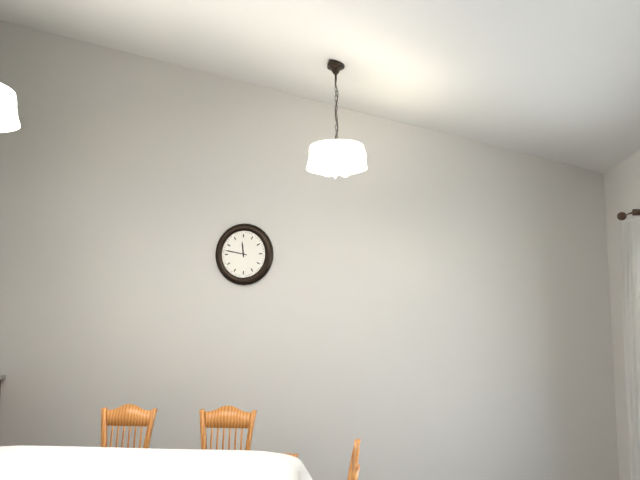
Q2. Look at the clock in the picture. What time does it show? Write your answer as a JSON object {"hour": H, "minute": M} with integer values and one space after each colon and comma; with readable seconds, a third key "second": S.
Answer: {"hour": 11, "minute": 47}
